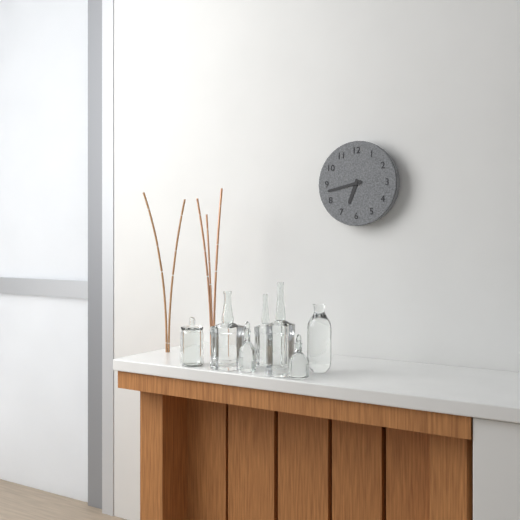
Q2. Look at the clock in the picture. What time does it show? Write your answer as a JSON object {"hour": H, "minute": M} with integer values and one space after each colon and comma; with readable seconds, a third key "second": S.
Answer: {"hour": 6, "minute": 43}
